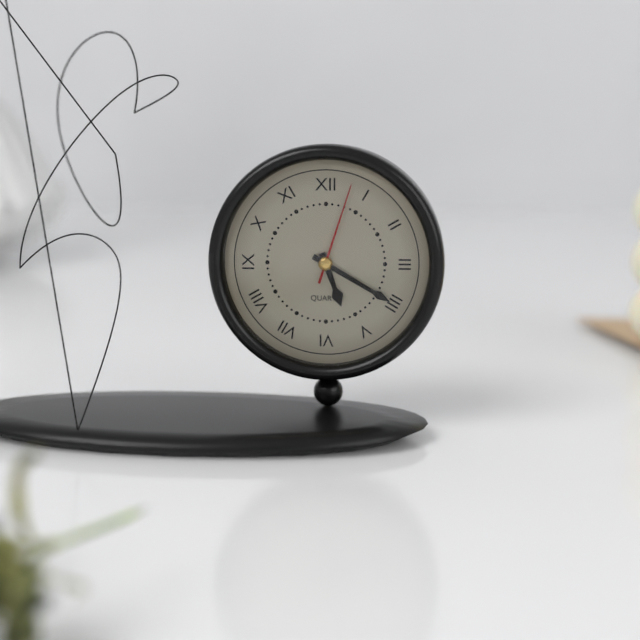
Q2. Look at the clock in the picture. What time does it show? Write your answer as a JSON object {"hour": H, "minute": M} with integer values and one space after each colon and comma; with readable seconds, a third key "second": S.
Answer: {"hour": 5, "minute": 20, "second": 3}
